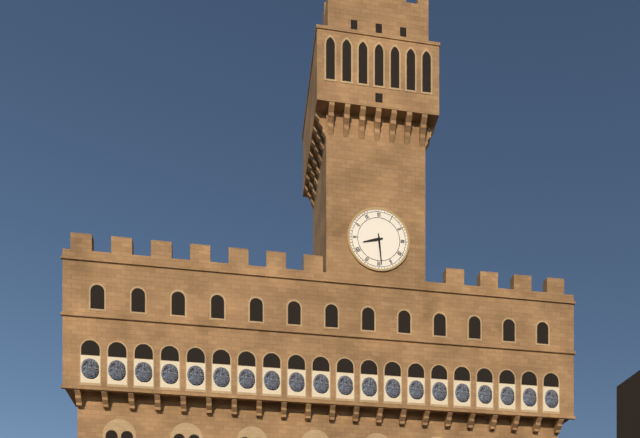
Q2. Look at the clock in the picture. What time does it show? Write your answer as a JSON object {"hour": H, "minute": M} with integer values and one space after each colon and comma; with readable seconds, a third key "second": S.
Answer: {"hour": 8, "minute": 29}
